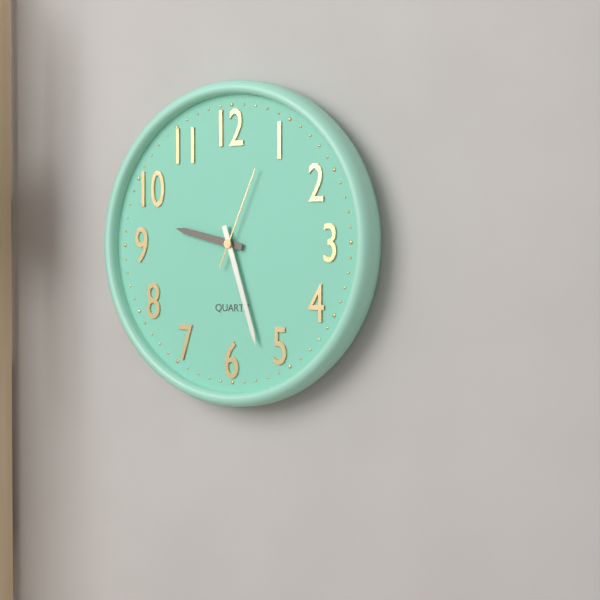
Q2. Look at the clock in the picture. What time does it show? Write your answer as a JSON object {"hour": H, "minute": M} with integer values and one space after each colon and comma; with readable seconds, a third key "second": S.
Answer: {"hour": 9, "minute": 27, "second": 4}
